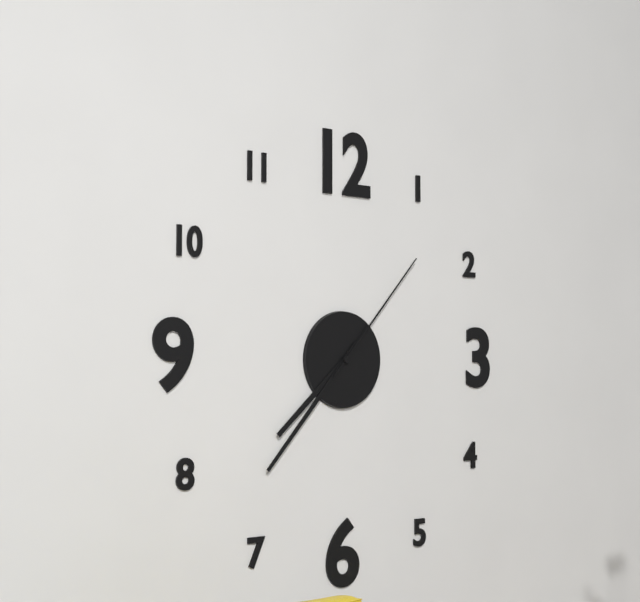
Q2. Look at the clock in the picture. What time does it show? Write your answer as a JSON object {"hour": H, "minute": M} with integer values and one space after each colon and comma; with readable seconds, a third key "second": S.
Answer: {"hour": 7, "minute": 37, "second": 7}
